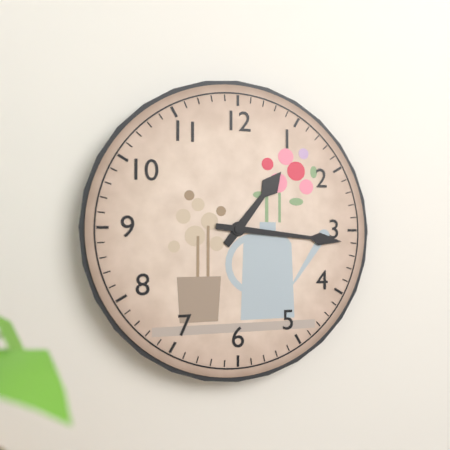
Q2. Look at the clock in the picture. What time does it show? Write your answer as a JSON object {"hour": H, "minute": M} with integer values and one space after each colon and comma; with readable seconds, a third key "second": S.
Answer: {"hour": 1, "minute": 16}
